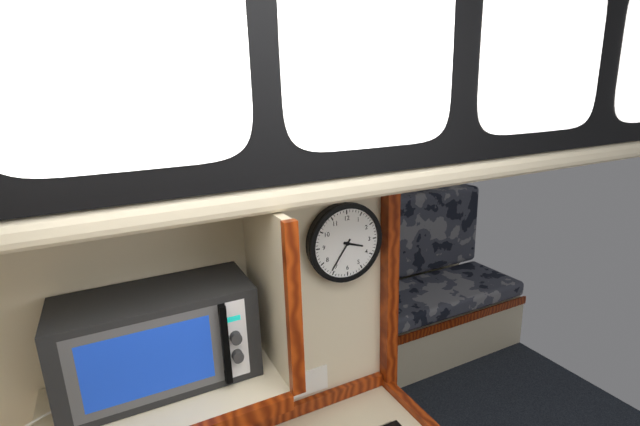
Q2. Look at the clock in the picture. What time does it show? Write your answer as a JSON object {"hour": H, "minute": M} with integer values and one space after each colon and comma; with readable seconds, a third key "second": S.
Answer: {"hour": 3, "minute": 36}
